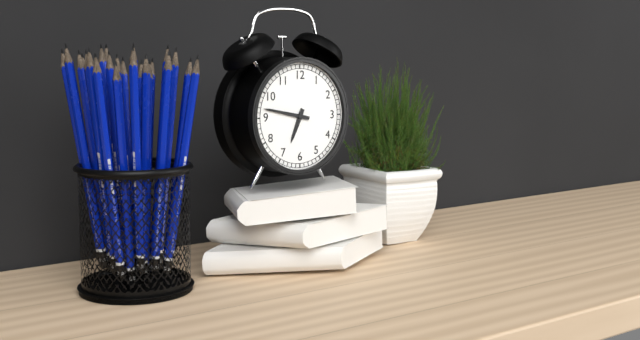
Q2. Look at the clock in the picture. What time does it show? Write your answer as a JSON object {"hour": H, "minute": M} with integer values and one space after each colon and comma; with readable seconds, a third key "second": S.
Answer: {"hour": 6, "minute": 47}
